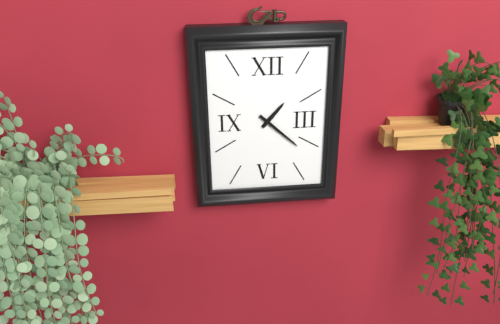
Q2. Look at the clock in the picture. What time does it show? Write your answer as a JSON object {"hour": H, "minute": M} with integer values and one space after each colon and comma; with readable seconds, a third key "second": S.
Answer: {"hour": 1, "minute": 22}
